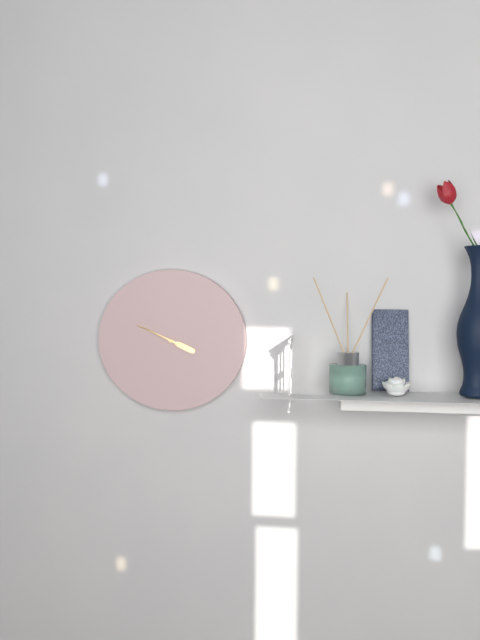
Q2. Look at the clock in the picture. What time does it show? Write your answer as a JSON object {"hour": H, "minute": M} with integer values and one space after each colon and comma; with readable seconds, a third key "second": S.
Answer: {"hour": 3, "minute": 49}
